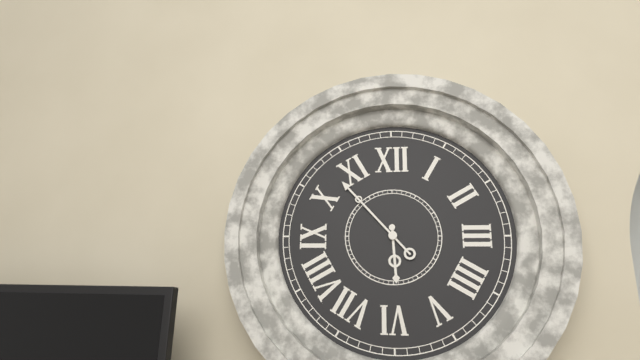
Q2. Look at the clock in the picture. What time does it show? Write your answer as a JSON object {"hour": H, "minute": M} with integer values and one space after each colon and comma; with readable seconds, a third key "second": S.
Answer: {"hour": 5, "minute": 53}
